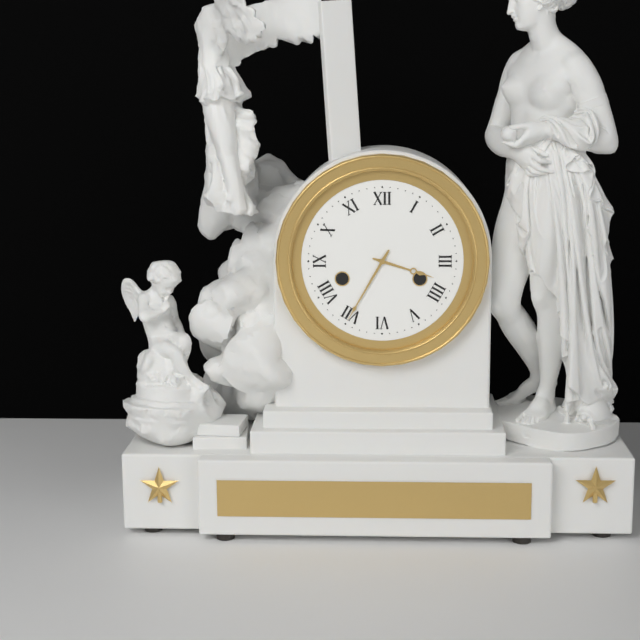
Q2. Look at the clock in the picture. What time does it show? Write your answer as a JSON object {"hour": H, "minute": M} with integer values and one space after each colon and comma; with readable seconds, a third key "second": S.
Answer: {"hour": 3, "minute": 35}
